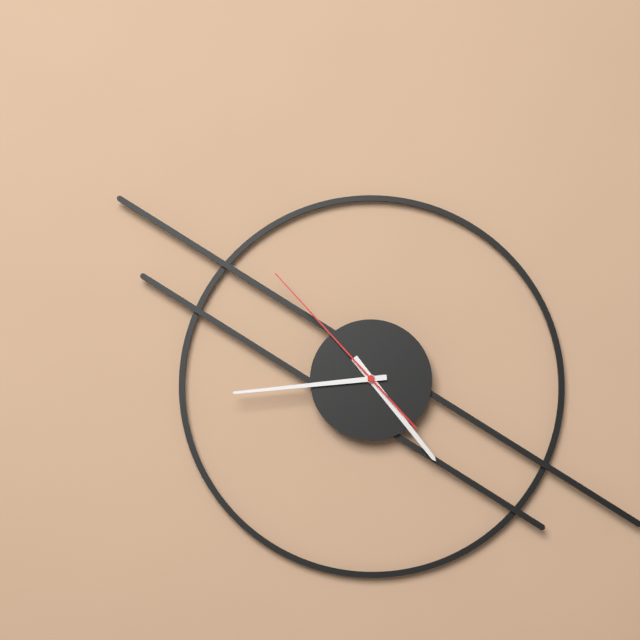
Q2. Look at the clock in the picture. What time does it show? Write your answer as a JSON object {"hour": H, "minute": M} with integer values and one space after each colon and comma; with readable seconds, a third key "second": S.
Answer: {"hour": 4, "minute": 44, "second": 53}
